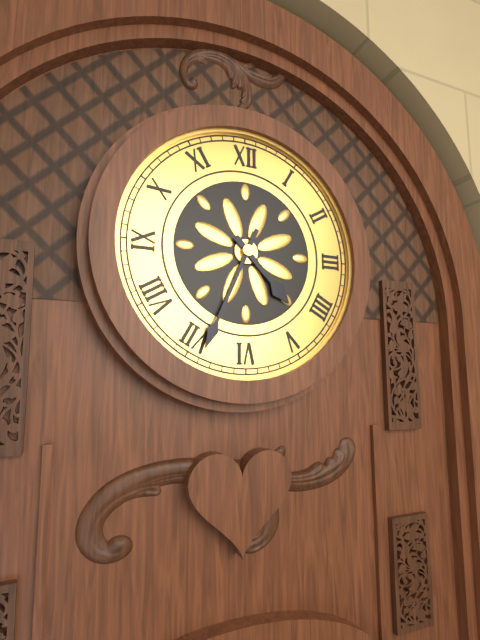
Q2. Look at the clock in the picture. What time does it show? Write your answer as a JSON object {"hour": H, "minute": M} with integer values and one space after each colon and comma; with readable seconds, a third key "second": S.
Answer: {"hour": 4, "minute": 34}
